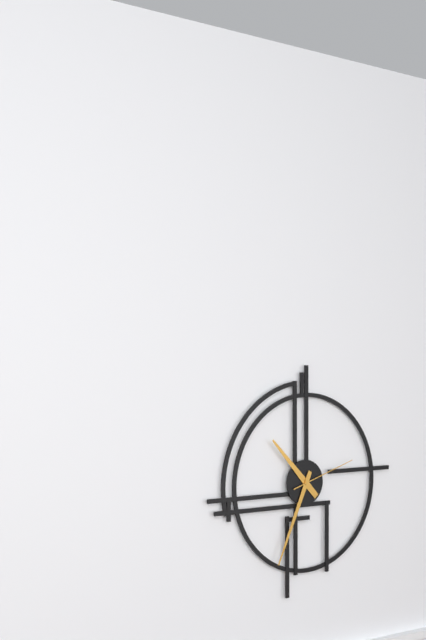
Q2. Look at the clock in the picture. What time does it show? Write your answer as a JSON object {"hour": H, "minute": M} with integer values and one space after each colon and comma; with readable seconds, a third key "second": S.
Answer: {"hour": 10, "minute": 34, "second": 12}
